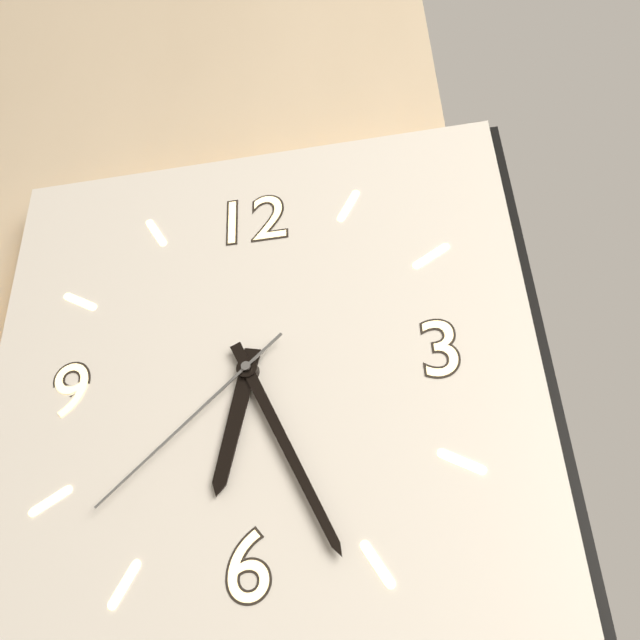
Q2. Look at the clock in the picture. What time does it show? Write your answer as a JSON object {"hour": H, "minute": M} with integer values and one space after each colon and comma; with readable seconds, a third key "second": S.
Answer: {"hour": 6, "minute": 26, "second": 38}
